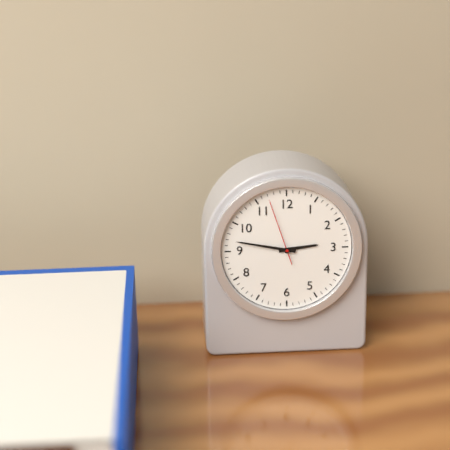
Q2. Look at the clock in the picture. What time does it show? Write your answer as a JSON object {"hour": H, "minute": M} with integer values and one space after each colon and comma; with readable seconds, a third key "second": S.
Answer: {"hour": 2, "minute": 47, "second": 57}
